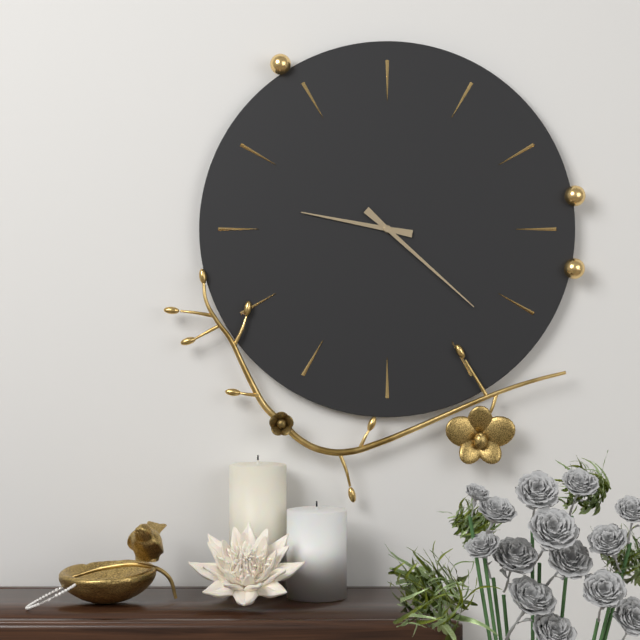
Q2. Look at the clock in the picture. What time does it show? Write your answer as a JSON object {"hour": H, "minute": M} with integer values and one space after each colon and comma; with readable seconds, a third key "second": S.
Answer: {"hour": 9, "minute": 22}
